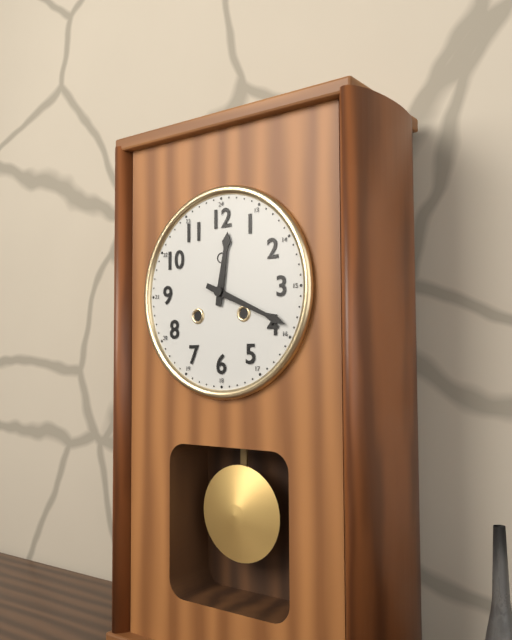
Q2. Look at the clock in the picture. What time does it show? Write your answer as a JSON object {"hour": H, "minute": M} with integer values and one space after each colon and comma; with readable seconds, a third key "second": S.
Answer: {"hour": 12, "minute": 19}
